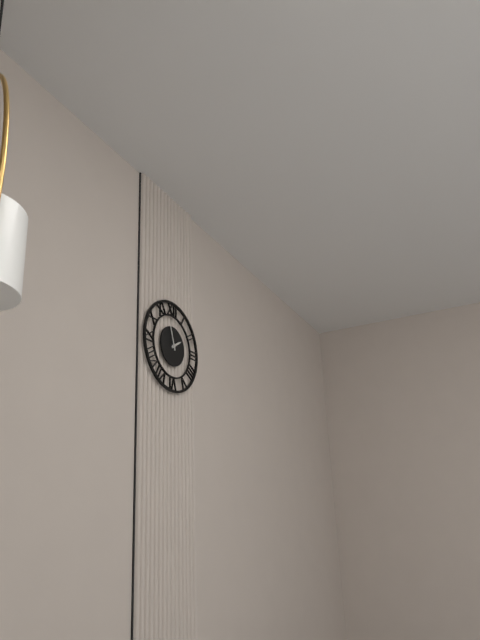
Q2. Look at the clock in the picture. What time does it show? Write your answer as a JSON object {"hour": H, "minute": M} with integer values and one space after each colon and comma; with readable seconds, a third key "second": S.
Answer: {"hour": 1, "minute": 57}
